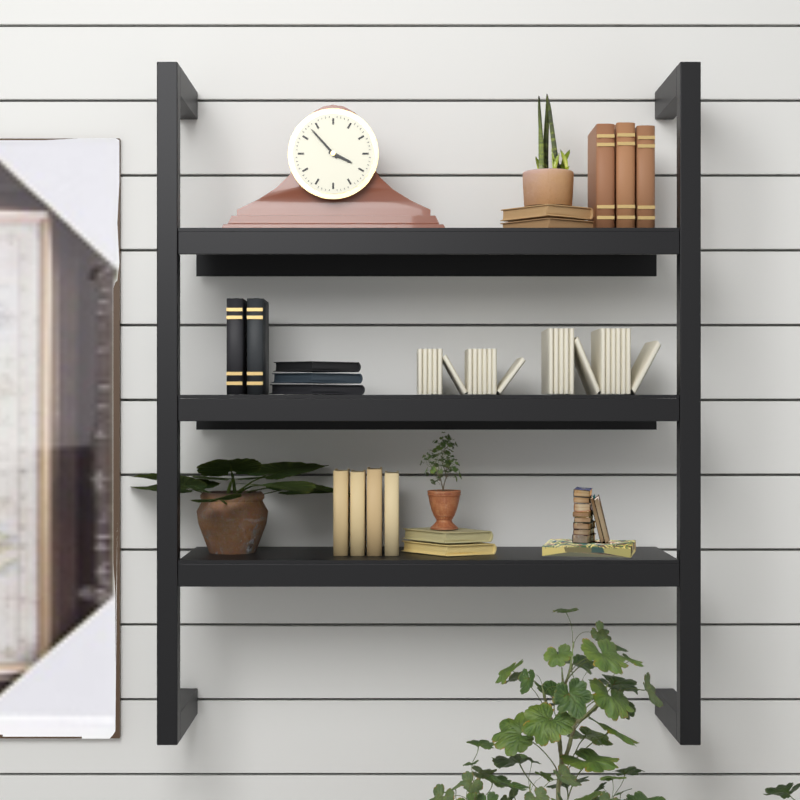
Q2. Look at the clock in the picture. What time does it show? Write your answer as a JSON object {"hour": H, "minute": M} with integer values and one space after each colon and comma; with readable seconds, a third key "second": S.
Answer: {"hour": 3, "minute": 53}
